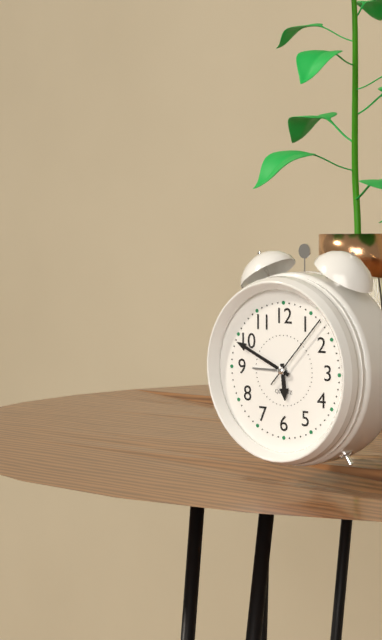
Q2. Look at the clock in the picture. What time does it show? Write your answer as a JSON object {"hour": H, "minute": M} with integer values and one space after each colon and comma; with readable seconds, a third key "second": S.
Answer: {"hour": 5, "minute": 49, "second": 7}
